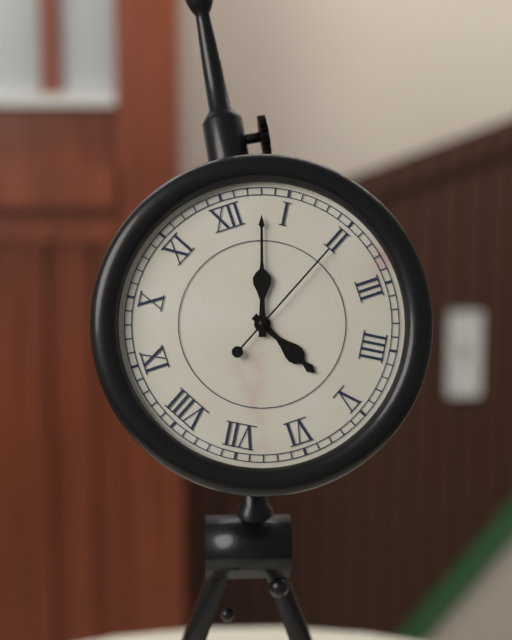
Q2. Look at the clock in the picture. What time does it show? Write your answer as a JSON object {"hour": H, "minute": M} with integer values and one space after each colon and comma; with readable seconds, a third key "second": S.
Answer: {"hour": 5, "minute": 3, "second": 10}
